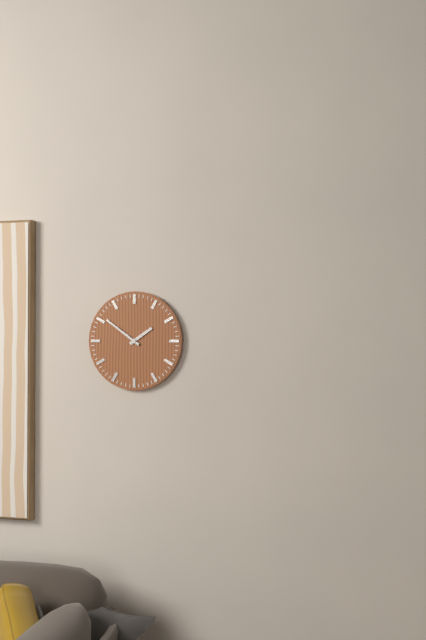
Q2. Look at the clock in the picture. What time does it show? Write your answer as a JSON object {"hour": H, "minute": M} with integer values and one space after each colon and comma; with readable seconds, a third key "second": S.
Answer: {"hour": 1, "minute": 51}
